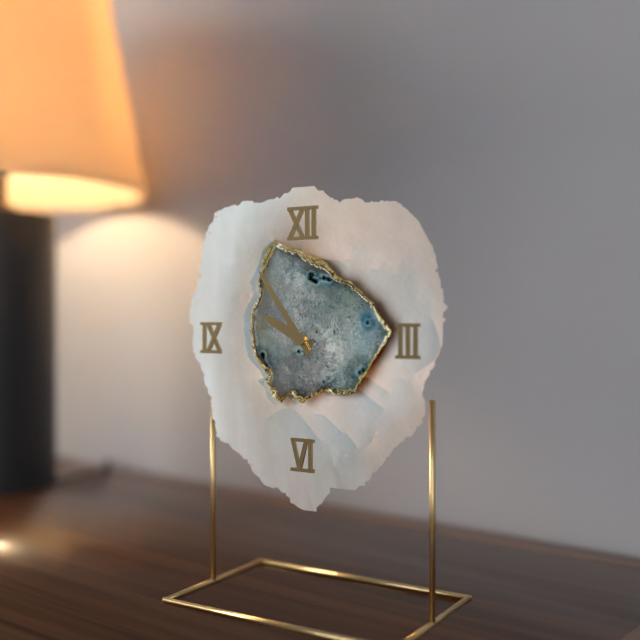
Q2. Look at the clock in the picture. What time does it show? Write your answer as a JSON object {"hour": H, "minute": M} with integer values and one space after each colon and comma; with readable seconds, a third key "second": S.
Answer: {"hour": 9, "minute": 54}
